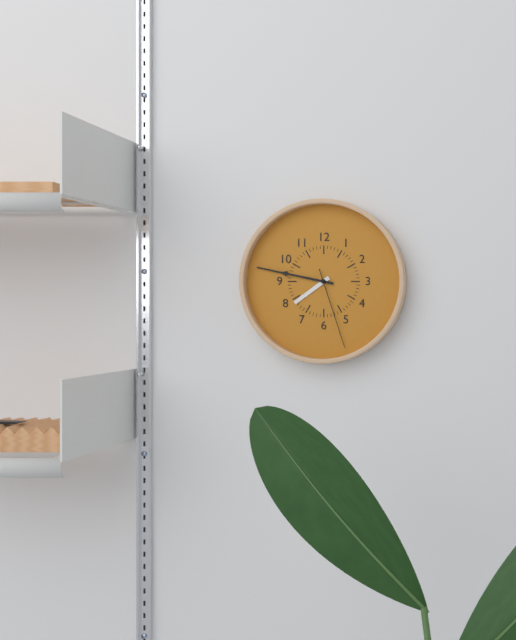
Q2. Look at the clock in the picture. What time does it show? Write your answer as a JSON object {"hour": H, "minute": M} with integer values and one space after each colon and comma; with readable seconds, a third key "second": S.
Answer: {"hour": 7, "minute": 47, "second": 27}
